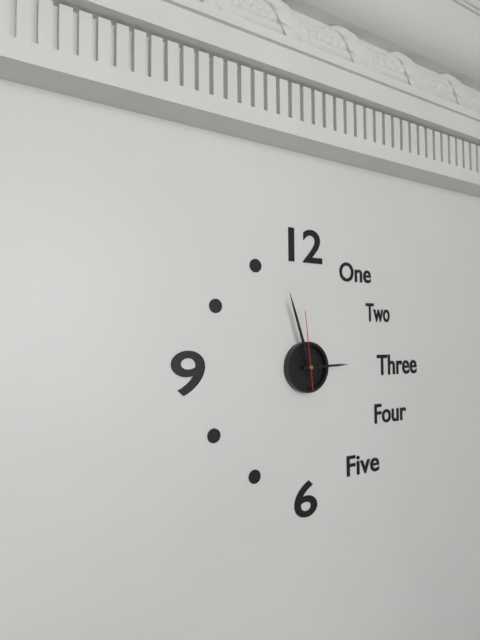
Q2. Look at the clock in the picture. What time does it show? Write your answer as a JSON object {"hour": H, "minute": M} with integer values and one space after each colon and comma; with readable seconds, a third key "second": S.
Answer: {"hour": 2, "minute": 57, "second": 59}
